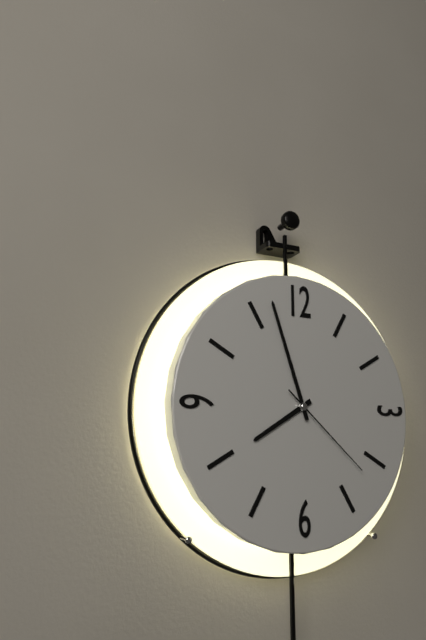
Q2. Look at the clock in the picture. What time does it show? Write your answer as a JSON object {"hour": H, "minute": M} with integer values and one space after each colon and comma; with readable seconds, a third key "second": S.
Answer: {"hour": 7, "minute": 57, "second": 22}
